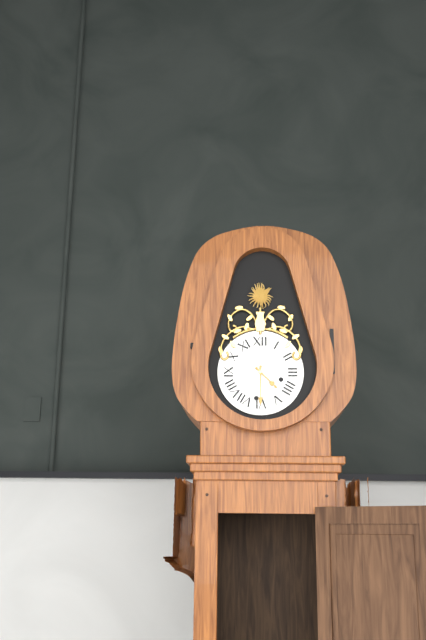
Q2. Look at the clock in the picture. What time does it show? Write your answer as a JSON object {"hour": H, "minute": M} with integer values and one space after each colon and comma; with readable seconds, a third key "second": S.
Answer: {"hour": 4, "minute": 30}
